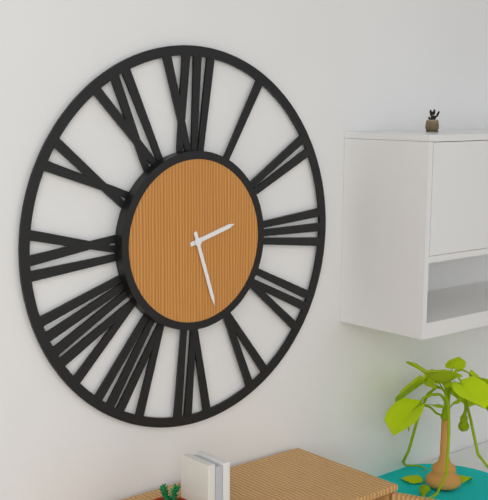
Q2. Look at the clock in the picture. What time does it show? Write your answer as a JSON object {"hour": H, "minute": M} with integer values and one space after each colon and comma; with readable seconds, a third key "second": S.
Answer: {"hour": 2, "minute": 27}
